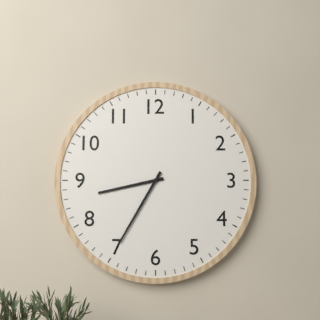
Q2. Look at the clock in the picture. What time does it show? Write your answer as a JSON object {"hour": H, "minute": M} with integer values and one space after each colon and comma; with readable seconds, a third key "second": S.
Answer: {"hour": 8, "minute": 35}
